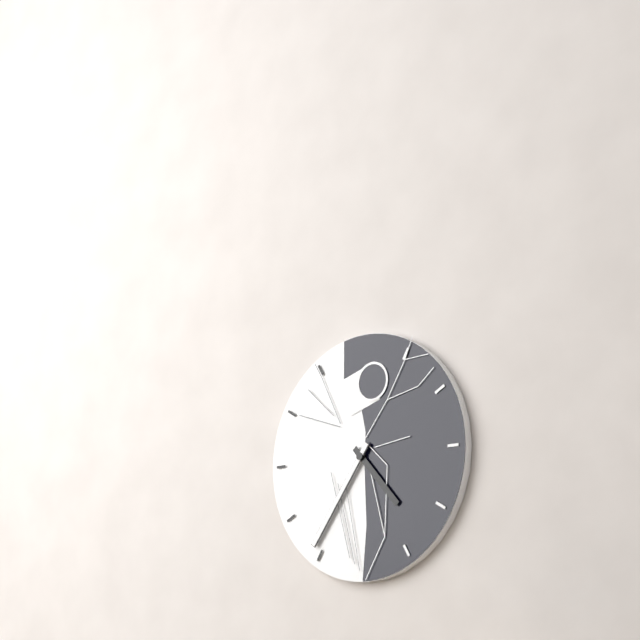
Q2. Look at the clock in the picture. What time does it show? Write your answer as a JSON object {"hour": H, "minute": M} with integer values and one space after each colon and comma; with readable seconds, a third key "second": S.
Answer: {"hour": 4, "minute": 36}
